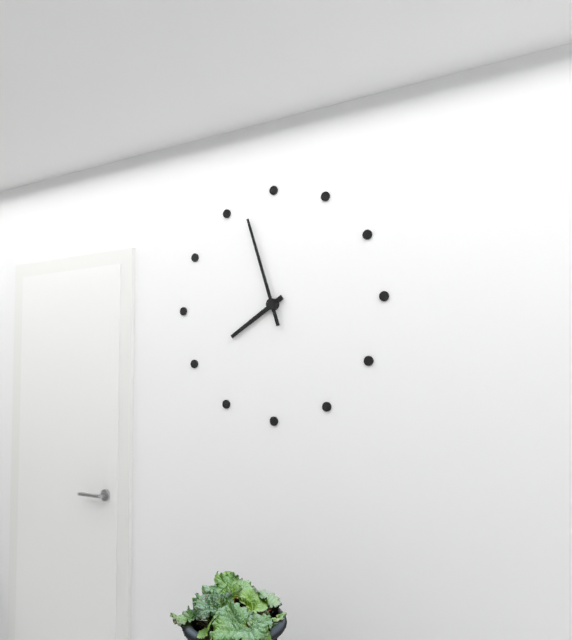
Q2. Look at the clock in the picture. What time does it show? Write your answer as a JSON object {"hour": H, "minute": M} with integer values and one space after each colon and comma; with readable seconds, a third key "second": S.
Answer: {"hour": 7, "minute": 57}
